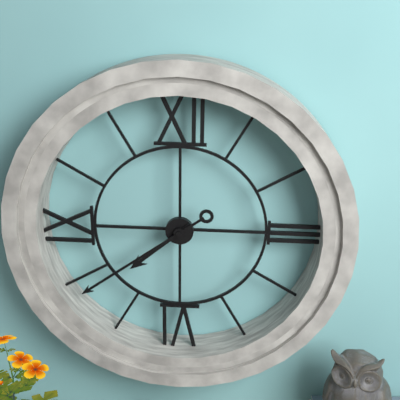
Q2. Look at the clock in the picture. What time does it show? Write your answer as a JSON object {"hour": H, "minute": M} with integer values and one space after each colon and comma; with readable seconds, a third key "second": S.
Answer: {"hour": 7, "minute": 39}
